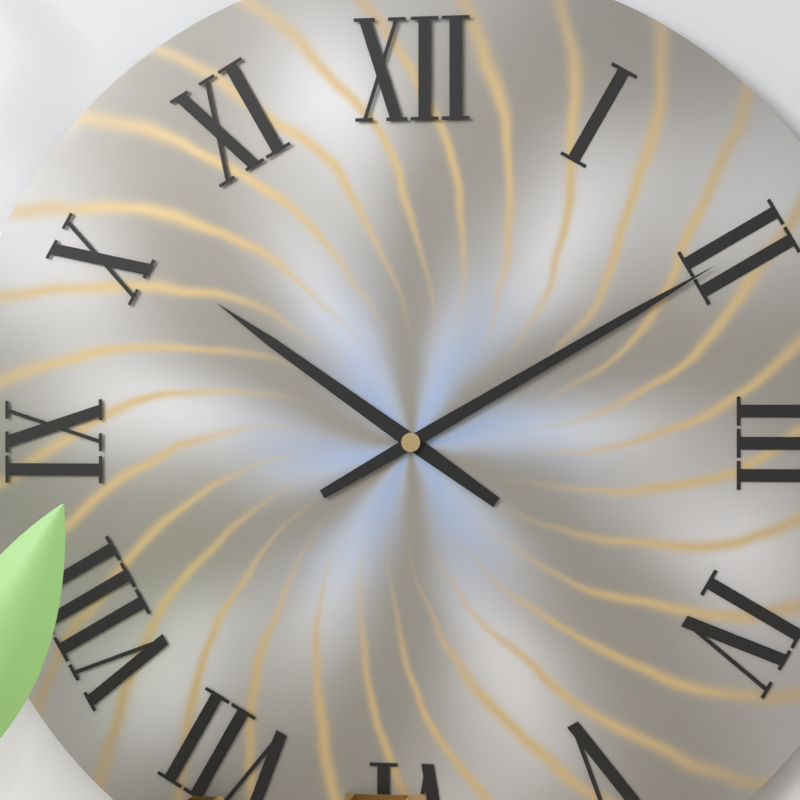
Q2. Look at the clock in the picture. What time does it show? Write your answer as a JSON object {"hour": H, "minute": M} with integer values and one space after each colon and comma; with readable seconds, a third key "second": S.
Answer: {"hour": 10, "minute": 10}
